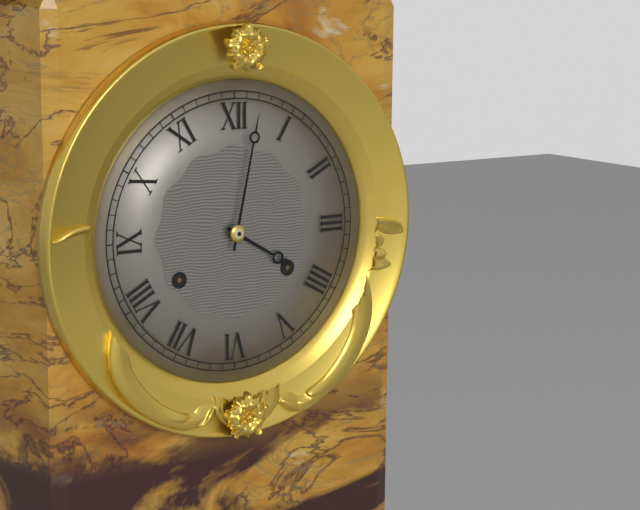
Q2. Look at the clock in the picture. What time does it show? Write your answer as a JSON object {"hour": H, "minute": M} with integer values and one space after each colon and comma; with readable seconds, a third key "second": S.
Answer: {"hour": 4, "minute": 2}
